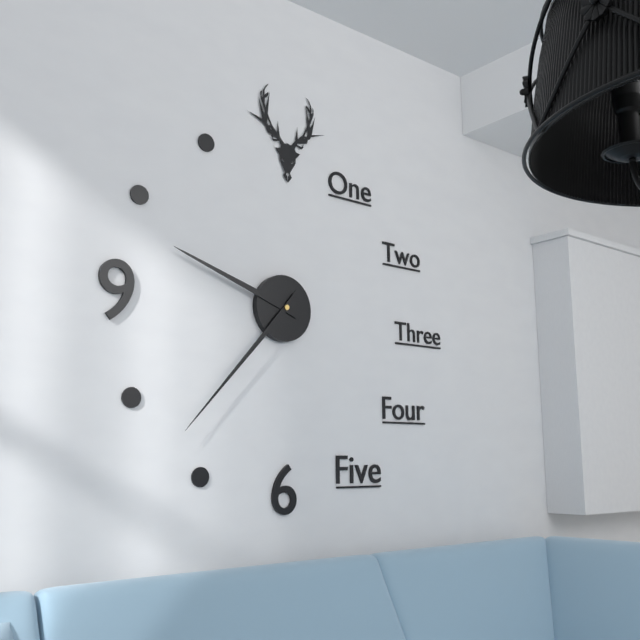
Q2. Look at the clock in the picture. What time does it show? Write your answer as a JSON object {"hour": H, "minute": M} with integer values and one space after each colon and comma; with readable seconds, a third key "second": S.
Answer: {"hour": 9, "minute": 37}
